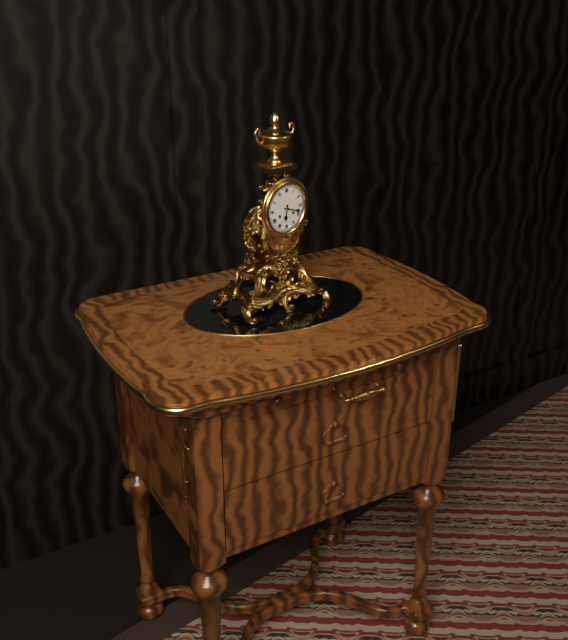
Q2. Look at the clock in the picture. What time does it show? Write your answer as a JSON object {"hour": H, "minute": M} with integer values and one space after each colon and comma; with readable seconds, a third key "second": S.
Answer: {"hour": 6, "minute": 18}
